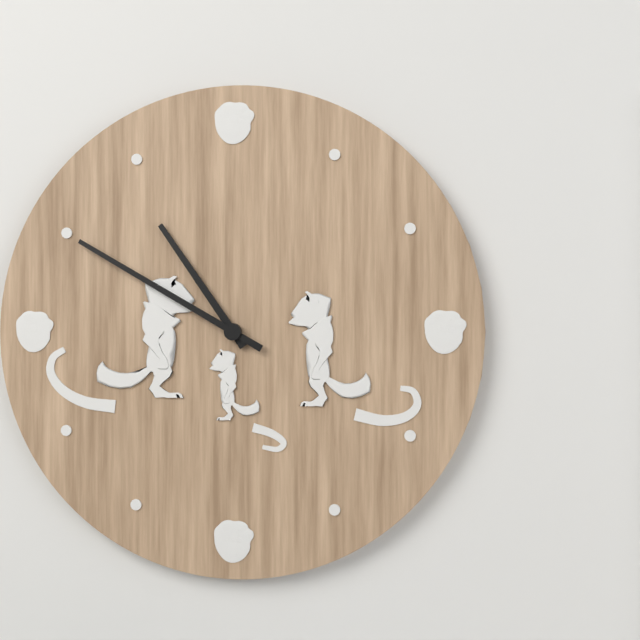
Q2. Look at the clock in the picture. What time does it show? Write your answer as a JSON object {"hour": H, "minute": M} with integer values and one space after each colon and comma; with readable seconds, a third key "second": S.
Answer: {"hour": 10, "minute": 50}
